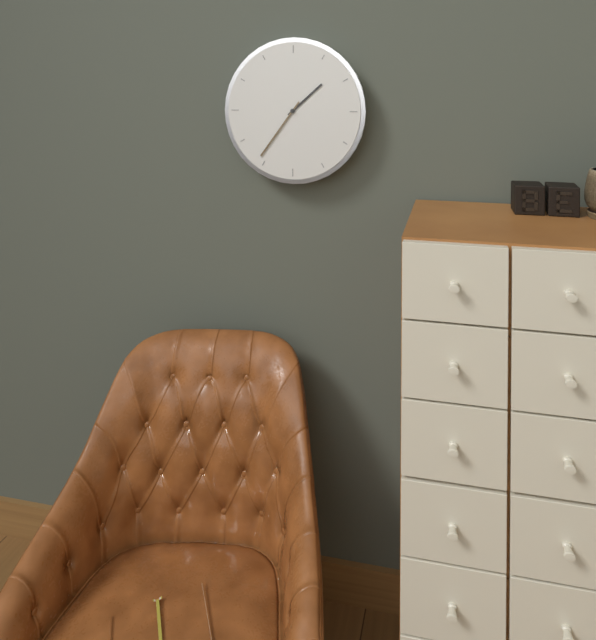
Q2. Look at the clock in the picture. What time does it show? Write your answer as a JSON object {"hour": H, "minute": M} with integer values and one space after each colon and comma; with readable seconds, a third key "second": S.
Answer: {"hour": 1, "minute": 36}
